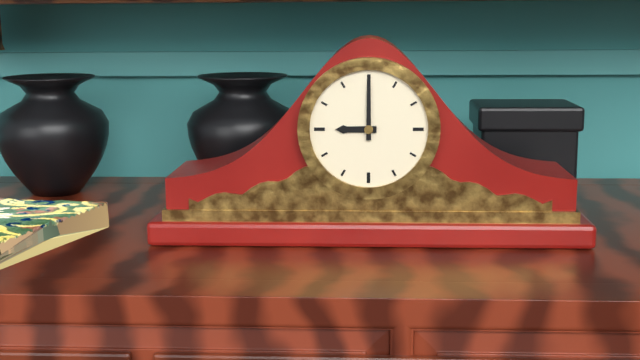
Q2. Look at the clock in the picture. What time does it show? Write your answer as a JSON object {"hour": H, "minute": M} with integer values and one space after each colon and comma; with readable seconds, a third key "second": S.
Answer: {"hour": 9, "minute": 0}
